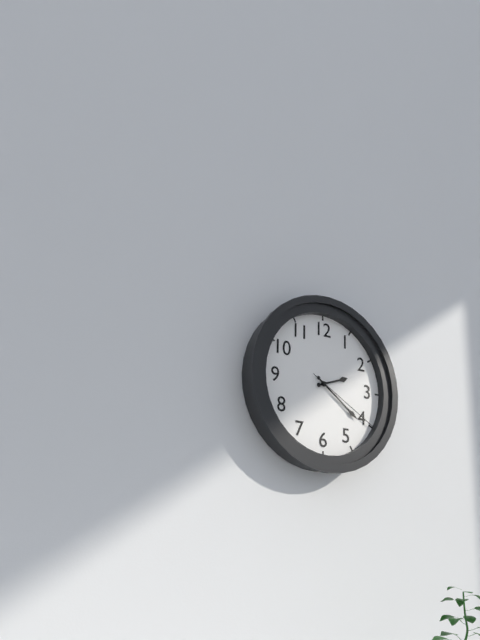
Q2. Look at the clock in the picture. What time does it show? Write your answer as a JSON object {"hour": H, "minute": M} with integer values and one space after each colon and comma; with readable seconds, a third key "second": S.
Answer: {"hour": 2, "minute": 21, "second": 20}
